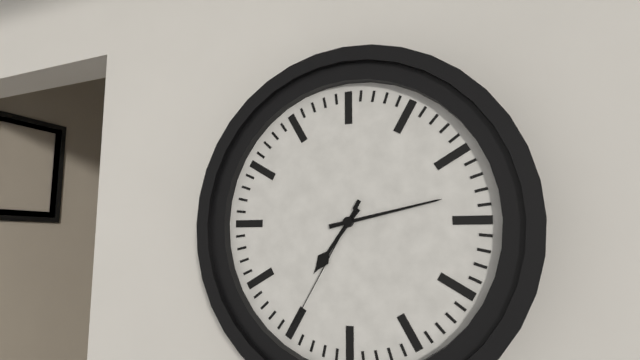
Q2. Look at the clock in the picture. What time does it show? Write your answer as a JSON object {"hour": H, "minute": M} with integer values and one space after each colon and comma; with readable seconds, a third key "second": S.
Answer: {"hour": 7, "minute": 13, "second": 35}
